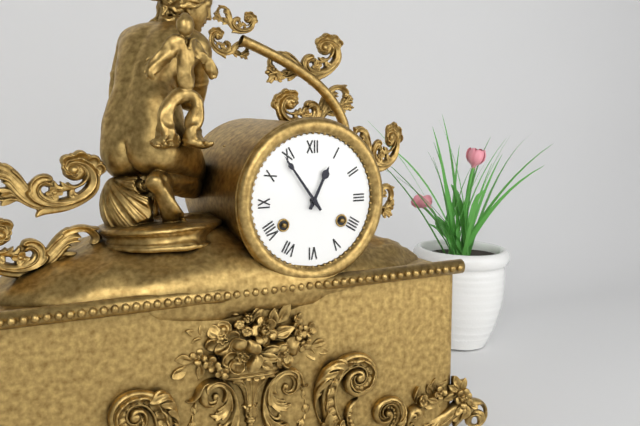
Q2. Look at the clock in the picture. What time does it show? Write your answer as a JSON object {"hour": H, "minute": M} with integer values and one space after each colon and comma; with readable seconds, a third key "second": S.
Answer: {"hour": 12, "minute": 54}
